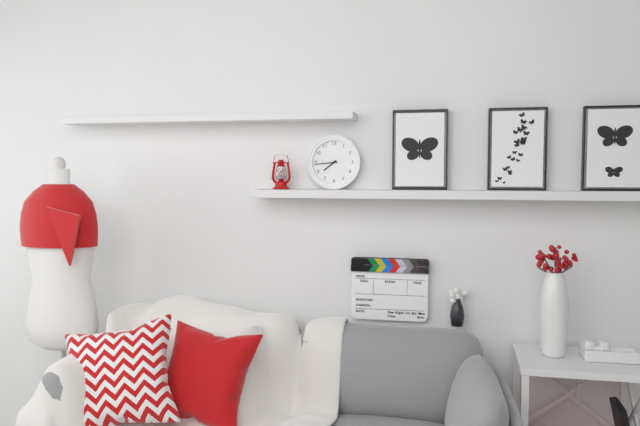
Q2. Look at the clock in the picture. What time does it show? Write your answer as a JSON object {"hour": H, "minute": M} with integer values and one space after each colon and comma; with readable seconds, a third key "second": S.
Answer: {"hour": 7, "minute": 44}
